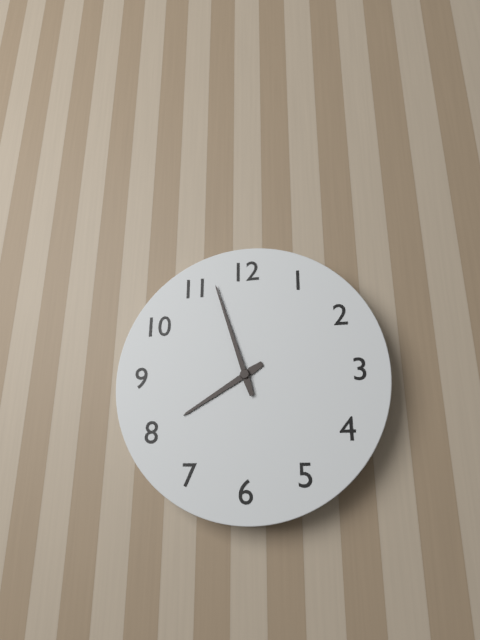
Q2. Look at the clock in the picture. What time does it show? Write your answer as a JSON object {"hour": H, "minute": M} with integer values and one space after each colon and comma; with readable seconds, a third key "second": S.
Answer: {"hour": 7, "minute": 57}
